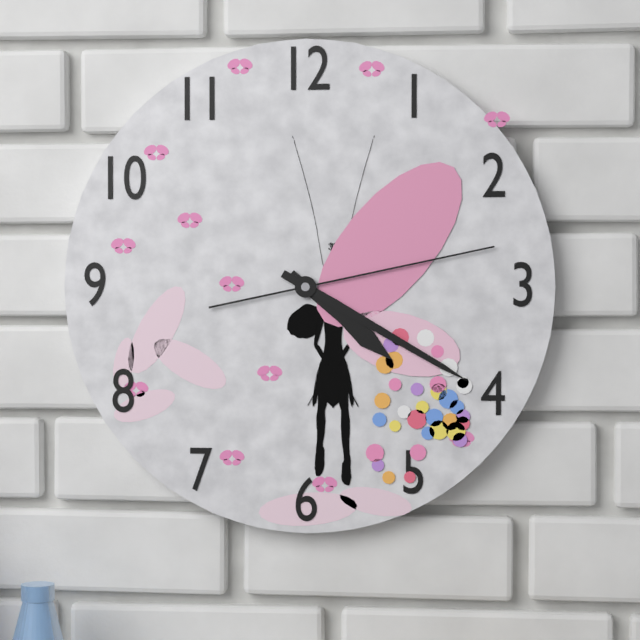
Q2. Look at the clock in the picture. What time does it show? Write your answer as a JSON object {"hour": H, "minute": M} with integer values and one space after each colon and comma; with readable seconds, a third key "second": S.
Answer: {"hour": 4, "minute": 20, "second": 13}
